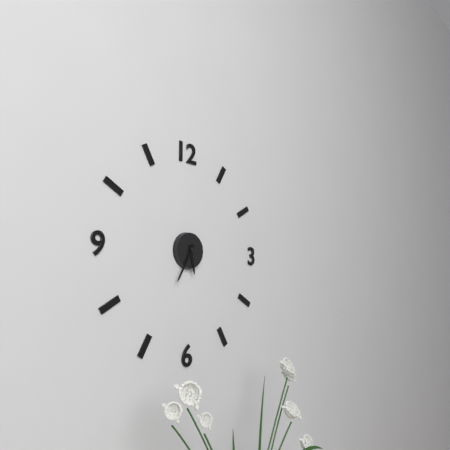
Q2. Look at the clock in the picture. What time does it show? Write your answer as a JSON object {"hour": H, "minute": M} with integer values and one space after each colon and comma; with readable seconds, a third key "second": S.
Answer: {"hour": 5, "minute": 35}
